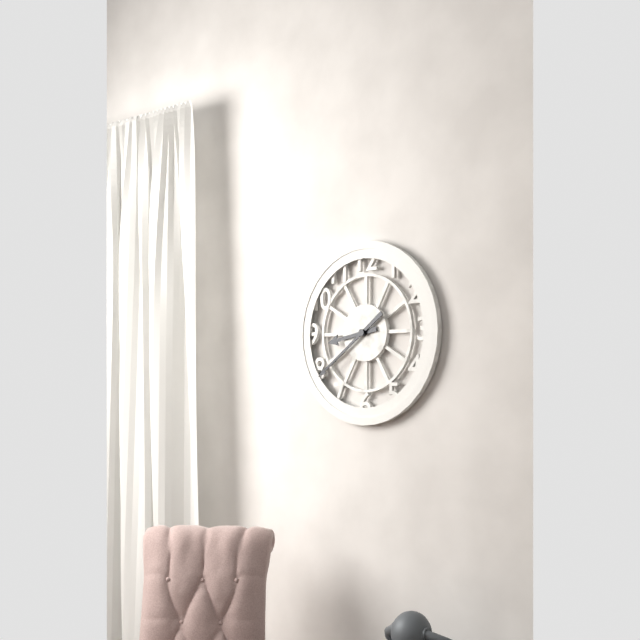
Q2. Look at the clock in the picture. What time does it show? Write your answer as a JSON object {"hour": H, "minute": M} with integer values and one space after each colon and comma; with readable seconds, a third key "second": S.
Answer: {"hour": 8, "minute": 39}
